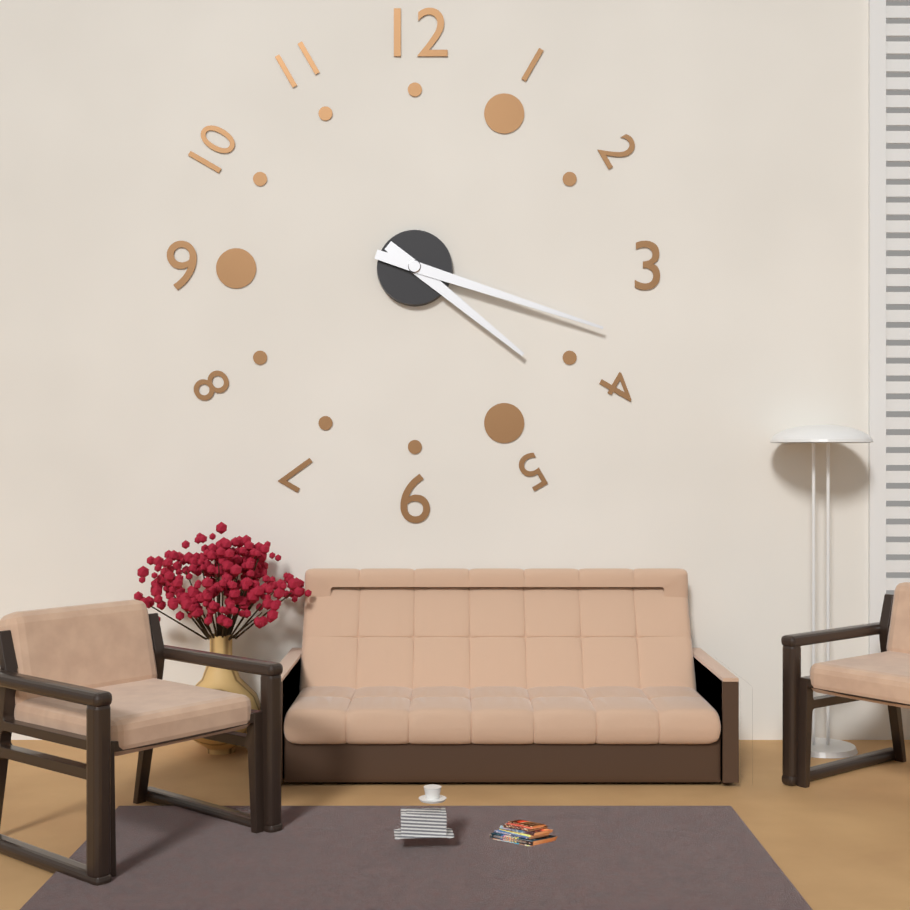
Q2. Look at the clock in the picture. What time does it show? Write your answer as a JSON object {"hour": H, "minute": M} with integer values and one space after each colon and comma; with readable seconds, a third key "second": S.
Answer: {"hour": 4, "minute": 18}
